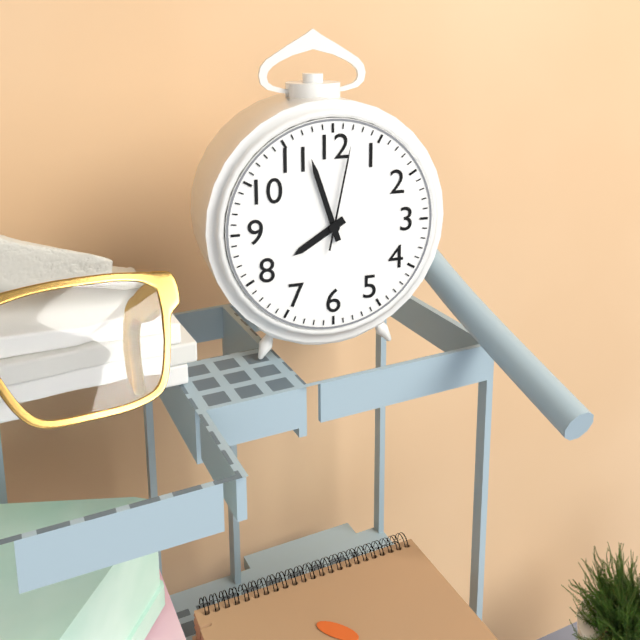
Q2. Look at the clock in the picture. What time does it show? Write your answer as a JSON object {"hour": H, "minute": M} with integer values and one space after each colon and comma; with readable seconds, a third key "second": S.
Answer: {"hour": 7, "minute": 57, "second": 2}
